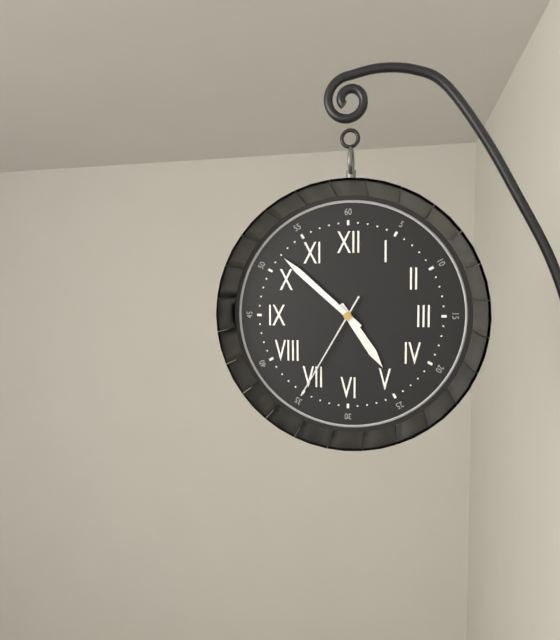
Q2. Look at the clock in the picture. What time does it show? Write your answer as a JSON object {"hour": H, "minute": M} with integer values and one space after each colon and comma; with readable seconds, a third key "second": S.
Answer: {"hour": 4, "minute": 52, "second": 35}
